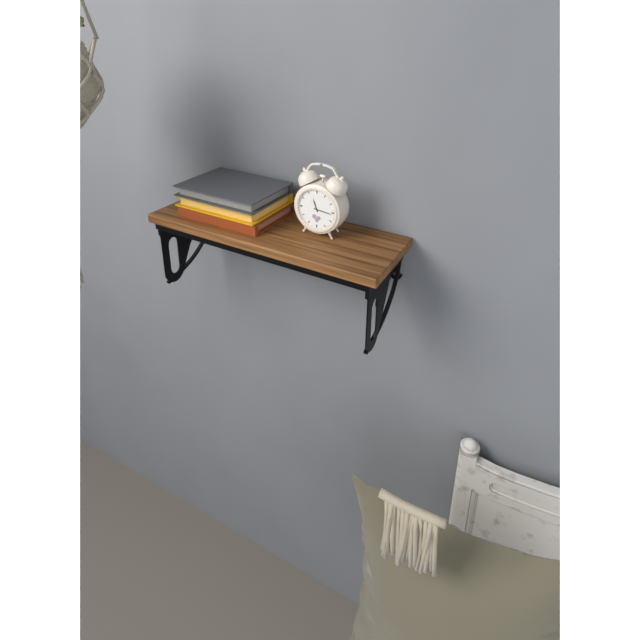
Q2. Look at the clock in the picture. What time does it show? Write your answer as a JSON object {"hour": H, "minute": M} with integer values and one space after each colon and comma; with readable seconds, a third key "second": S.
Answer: {"hour": 11, "minute": 16}
